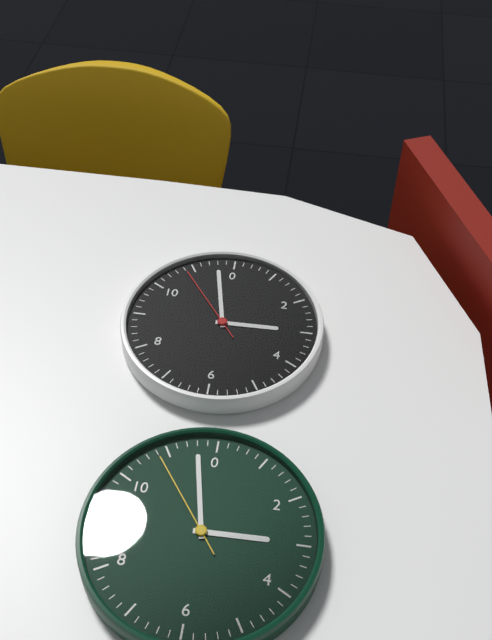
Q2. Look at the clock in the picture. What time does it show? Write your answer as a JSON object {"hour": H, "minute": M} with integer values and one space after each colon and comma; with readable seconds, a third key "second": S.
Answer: {"hour": 2, "minute": 58, "second": 54}
